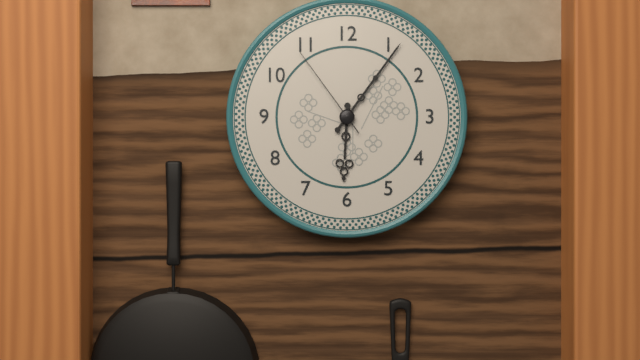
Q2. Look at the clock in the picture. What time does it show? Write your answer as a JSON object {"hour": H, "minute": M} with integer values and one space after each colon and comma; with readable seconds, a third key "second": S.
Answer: {"hour": 6, "minute": 6, "second": 54}
